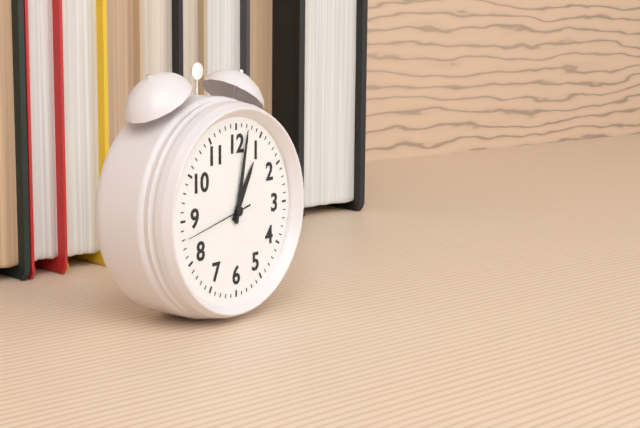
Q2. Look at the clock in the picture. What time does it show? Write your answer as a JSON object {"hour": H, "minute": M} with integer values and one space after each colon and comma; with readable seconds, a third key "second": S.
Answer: {"hour": 1, "minute": 2, "second": 43}
